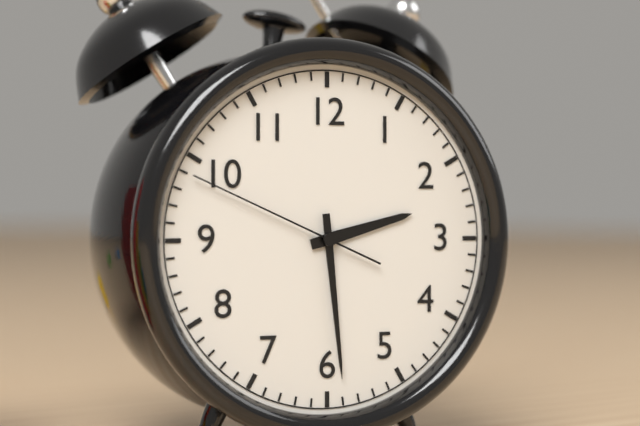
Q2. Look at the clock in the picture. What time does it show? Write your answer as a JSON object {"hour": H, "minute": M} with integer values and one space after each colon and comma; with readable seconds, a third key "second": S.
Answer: {"hour": 2, "minute": 29, "second": 49}
